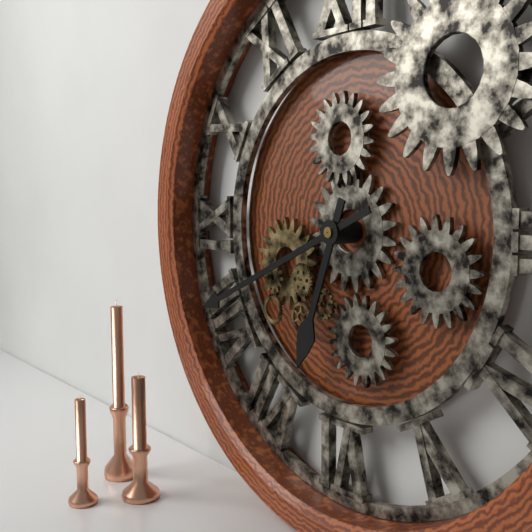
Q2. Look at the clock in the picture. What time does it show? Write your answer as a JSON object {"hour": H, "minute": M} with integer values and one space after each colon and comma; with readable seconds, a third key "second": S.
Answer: {"hour": 6, "minute": 41}
